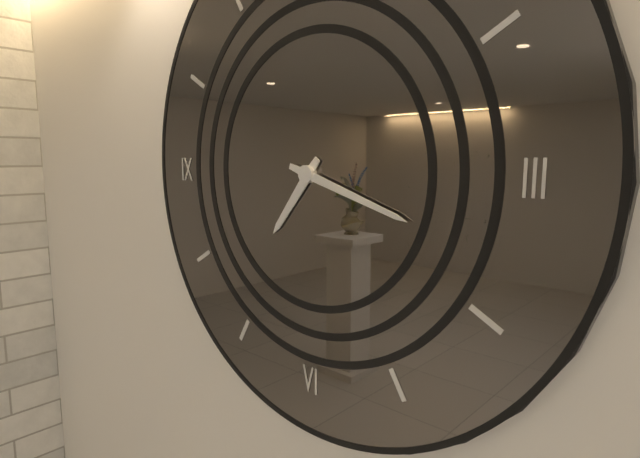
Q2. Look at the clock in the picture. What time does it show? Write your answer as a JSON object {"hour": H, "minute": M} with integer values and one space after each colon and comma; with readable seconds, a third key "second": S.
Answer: {"hour": 7, "minute": 18}
